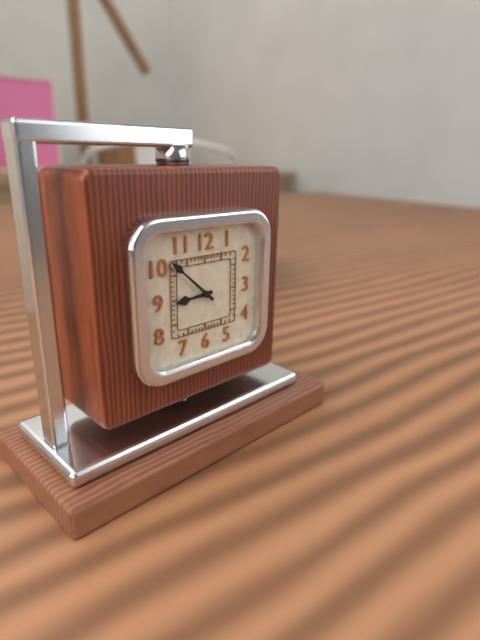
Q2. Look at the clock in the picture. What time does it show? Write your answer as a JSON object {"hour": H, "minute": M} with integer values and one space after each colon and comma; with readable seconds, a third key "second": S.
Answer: {"hour": 8, "minute": 52}
